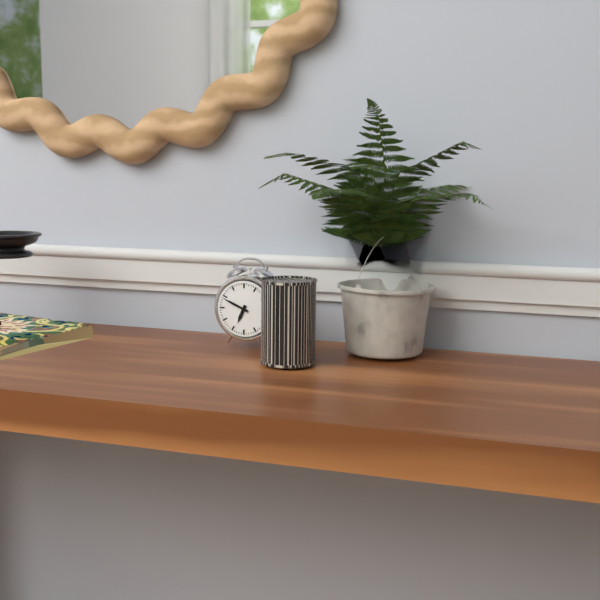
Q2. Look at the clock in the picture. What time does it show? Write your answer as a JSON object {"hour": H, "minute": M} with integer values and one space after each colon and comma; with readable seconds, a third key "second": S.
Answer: {"hour": 6, "minute": 49}
